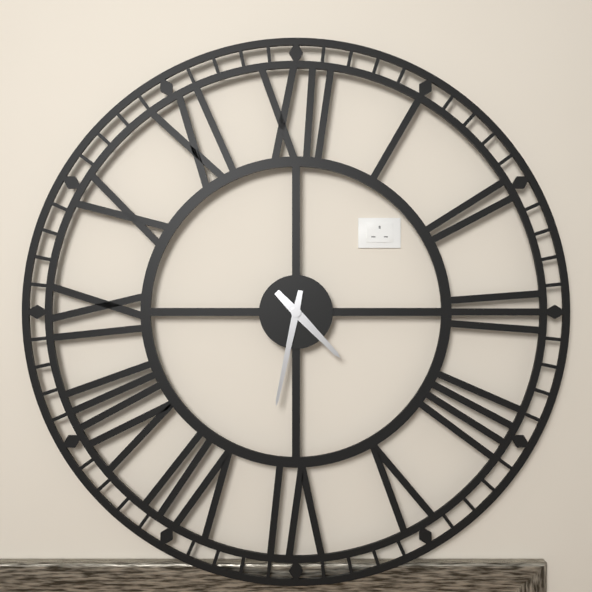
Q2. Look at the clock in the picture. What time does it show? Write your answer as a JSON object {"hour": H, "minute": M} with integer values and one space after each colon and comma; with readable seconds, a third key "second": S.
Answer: {"hour": 4, "minute": 32}
